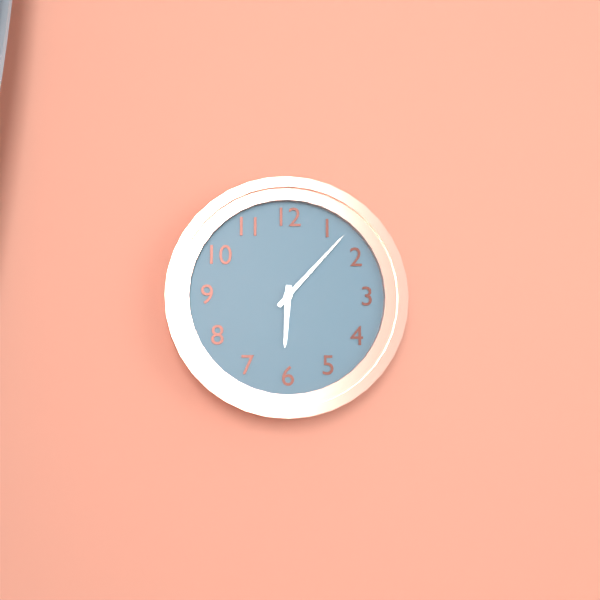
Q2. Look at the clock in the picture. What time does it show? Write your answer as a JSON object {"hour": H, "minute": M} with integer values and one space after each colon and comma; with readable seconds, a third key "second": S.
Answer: {"hour": 6, "minute": 7}
